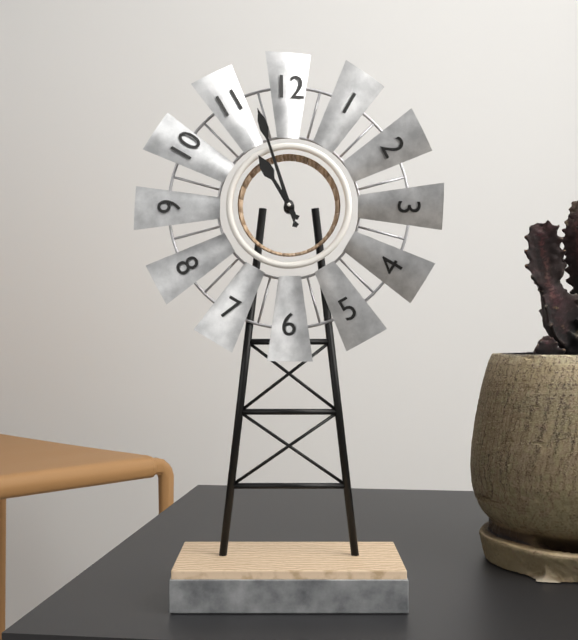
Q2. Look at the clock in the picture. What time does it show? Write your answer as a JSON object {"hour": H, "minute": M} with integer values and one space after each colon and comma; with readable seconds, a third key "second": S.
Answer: {"hour": 10, "minute": 57}
